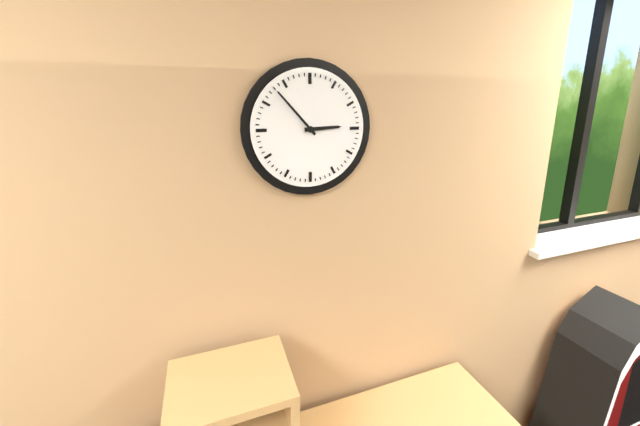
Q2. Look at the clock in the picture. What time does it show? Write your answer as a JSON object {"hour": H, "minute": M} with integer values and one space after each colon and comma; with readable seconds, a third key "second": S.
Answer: {"hour": 2, "minute": 53}
